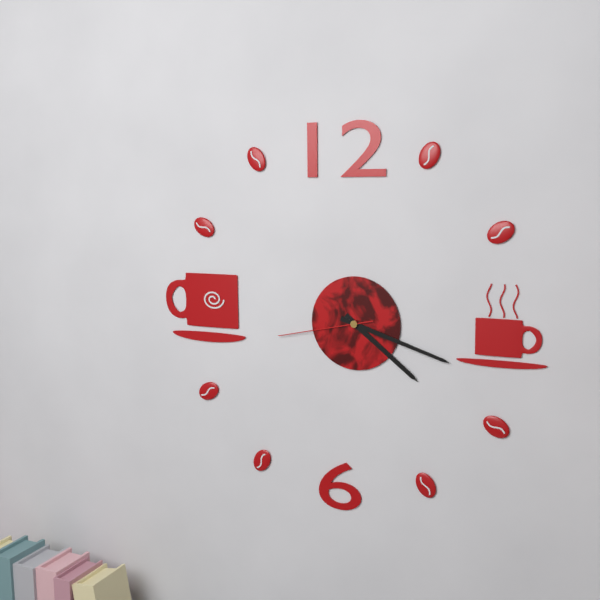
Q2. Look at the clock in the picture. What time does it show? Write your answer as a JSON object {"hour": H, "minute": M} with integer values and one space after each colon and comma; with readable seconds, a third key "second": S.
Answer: {"hour": 4, "minute": 18, "second": 43}
